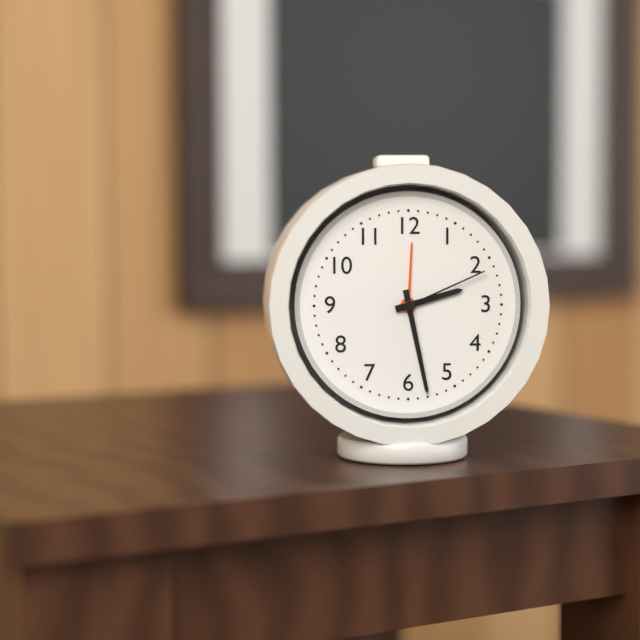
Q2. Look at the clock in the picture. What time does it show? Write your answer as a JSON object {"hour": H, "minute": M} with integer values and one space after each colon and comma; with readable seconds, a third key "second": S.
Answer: {"hour": 2, "minute": 28, "second": 11}
